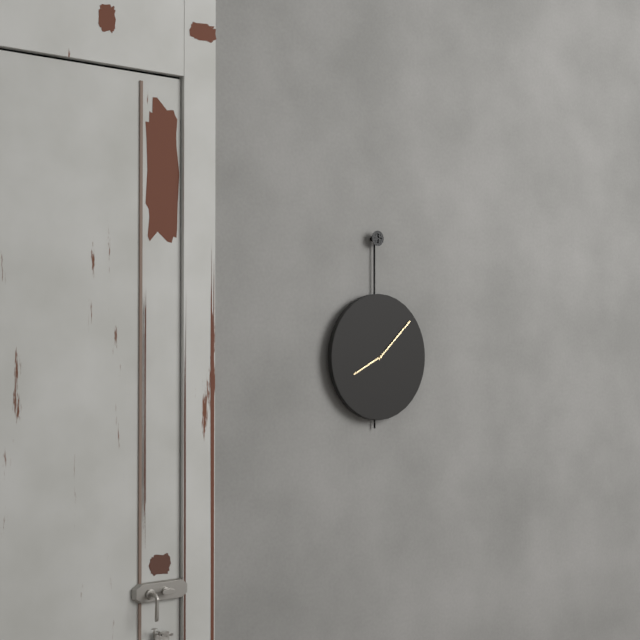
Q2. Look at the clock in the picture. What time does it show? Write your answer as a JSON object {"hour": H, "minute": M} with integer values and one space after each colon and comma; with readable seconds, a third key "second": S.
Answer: {"hour": 8, "minute": 8}
